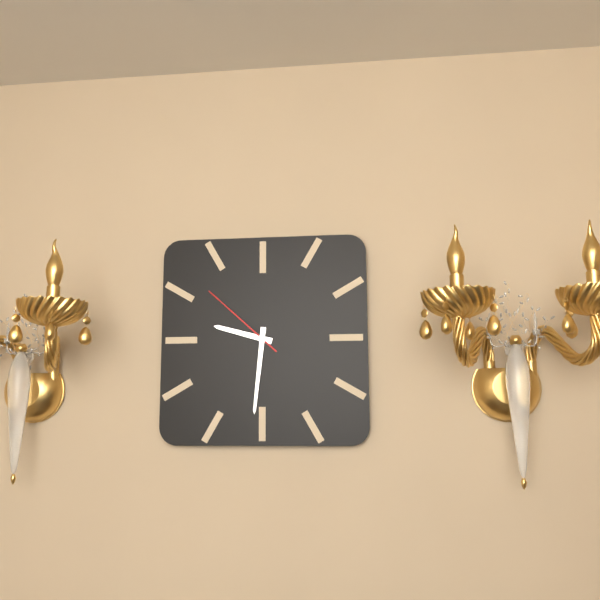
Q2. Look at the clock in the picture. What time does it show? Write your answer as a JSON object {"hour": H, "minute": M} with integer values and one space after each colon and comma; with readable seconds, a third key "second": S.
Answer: {"hour": 9, "minute": 31, "second": 52}
